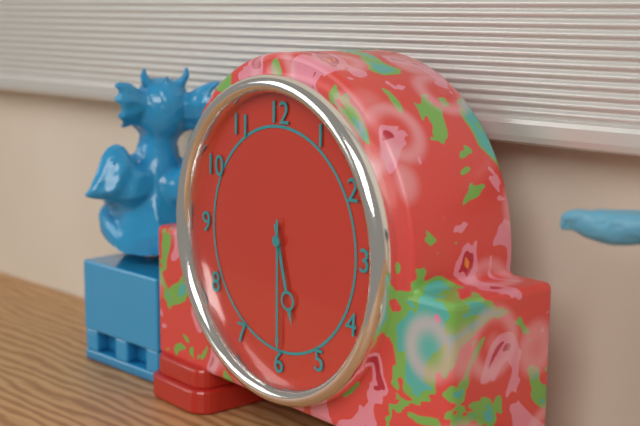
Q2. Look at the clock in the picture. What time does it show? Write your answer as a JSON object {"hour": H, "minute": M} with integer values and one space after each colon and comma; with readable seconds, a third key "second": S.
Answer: {"hour": 5, "minute": 30}
